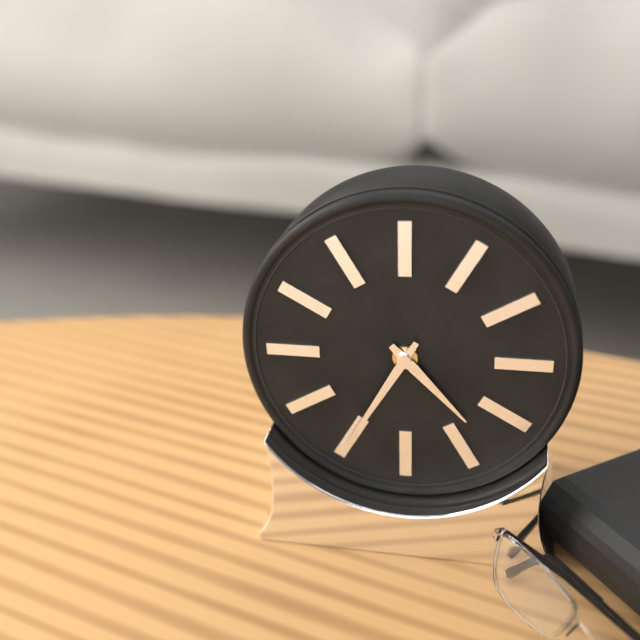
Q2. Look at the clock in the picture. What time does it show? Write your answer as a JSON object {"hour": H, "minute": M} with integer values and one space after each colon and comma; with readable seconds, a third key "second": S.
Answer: {"hour": 4, "minute": 35}
